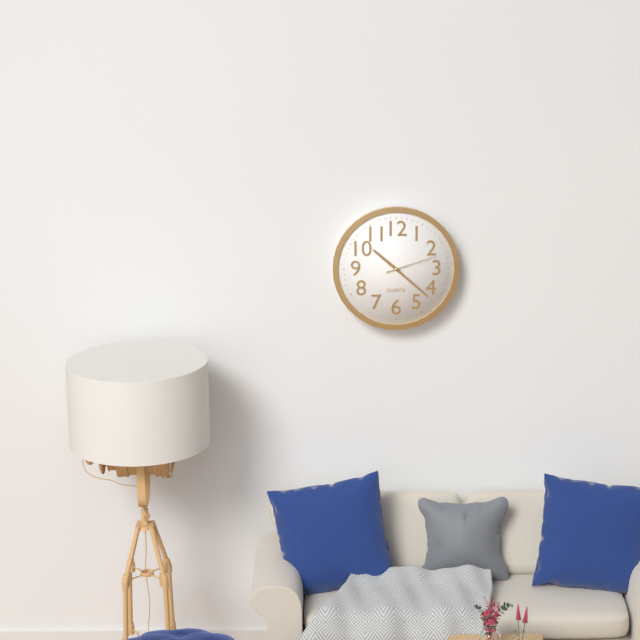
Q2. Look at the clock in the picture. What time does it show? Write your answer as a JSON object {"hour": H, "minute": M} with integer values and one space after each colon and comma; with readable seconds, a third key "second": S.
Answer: {"hour": 10, "minute": 22, "second": 12}
